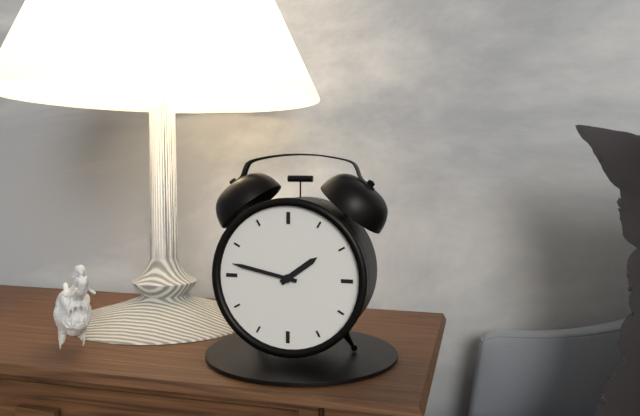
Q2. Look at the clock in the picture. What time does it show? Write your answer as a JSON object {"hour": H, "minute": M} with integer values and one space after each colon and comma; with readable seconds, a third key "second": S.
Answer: {"hour": 1, "minute": 47}
